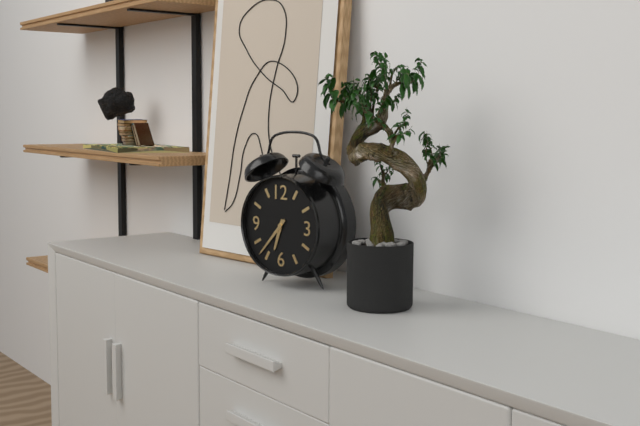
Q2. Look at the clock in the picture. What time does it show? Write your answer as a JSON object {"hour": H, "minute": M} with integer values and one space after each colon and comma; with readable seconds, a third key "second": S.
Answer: {"hour": 6, "minute": 37}
